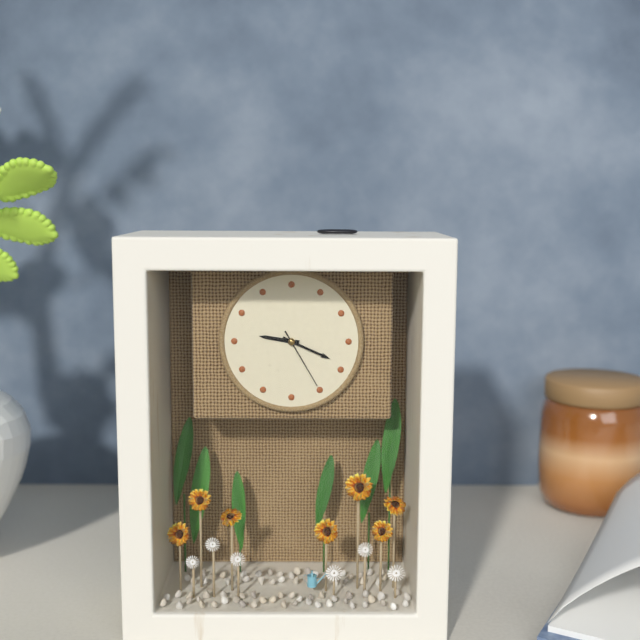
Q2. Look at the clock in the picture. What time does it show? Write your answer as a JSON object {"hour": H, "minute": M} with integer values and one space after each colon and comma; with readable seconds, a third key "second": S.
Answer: {"hour": 9, "minute": 19, "second": 25}
